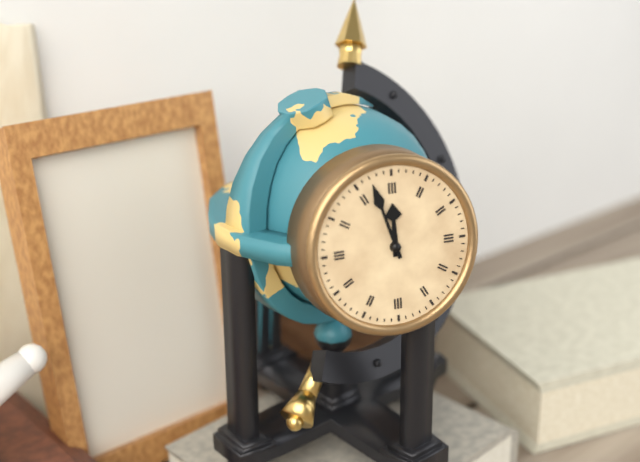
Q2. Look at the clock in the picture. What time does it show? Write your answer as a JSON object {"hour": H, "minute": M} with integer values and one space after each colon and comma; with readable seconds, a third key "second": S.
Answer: {"hour": 11, "minute": 57}
